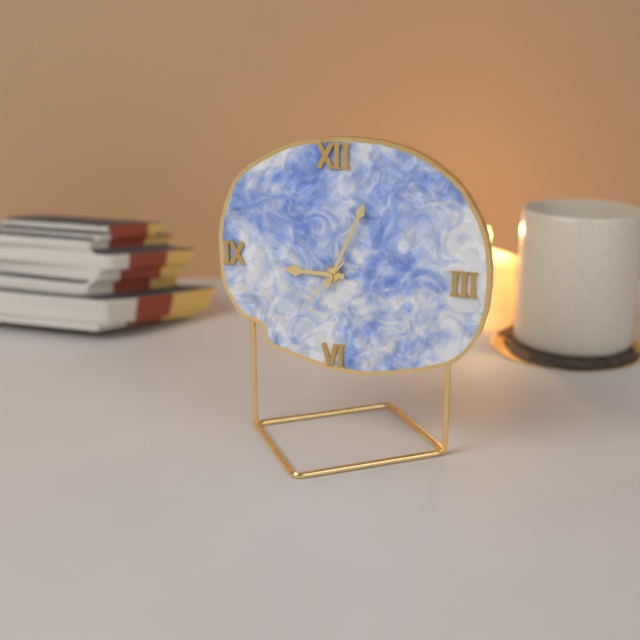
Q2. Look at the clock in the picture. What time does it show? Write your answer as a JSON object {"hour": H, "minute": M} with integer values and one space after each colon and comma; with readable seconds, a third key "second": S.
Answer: {"hour": 9, "minute": 4, "second": 37}
